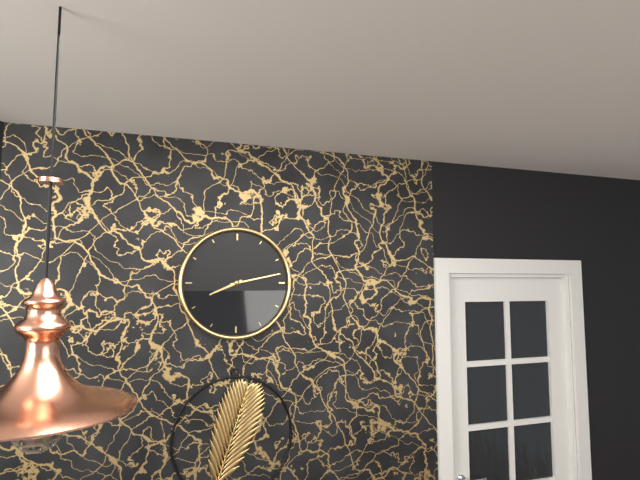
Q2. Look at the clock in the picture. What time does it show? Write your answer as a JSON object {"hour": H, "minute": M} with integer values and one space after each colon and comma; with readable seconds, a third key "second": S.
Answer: {"hour": 8, "minute": 13}
